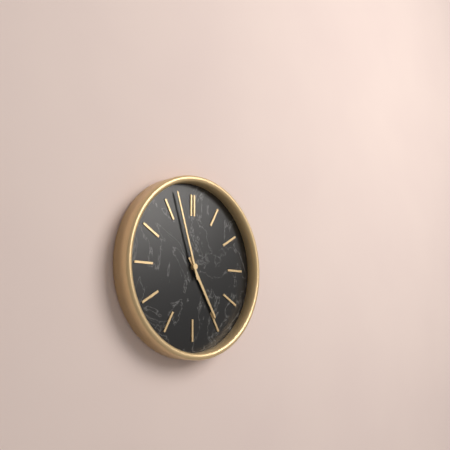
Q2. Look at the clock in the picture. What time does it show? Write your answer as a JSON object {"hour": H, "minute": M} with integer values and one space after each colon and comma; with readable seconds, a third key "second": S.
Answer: {"hour": 4, "minute": 57}
